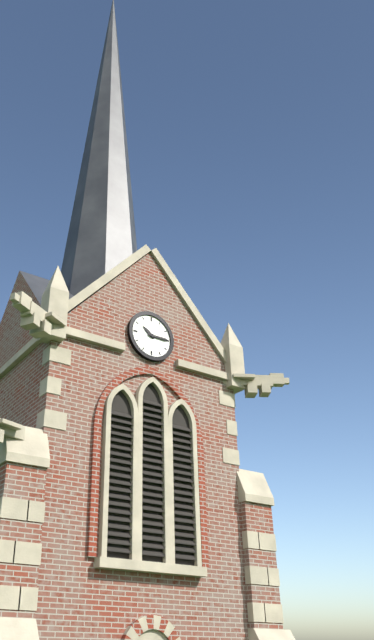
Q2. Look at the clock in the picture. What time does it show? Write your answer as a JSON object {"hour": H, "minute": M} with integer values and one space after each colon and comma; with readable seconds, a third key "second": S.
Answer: {"hour": 10, "minute": 15}
